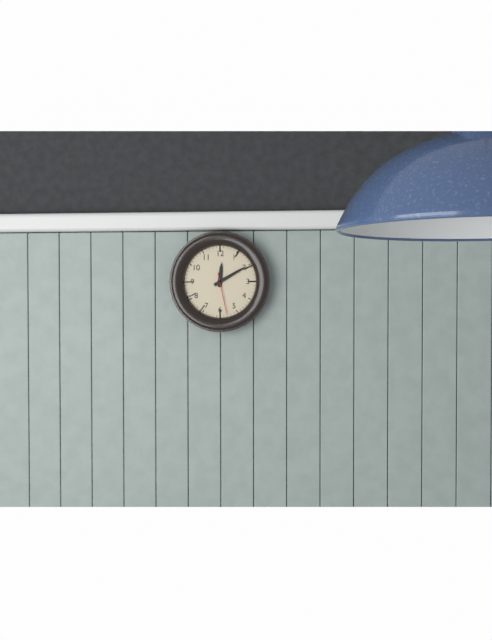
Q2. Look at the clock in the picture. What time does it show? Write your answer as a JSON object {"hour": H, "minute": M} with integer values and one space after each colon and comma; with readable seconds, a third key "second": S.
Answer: {"hour": 12, "minute": 10}
